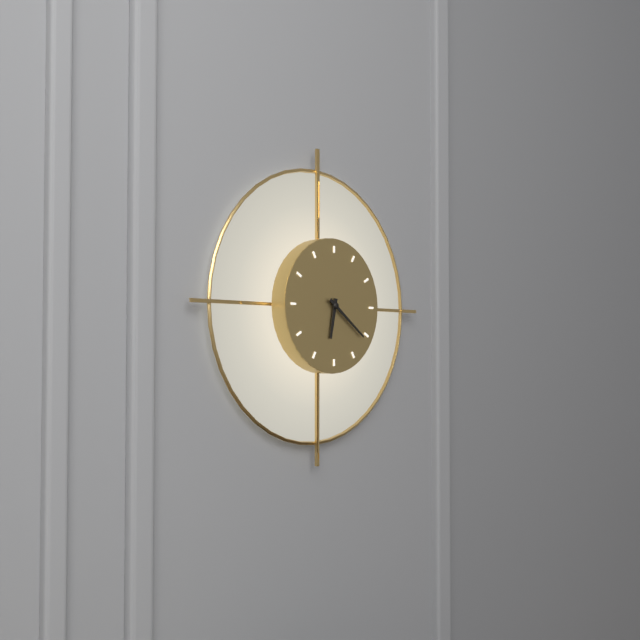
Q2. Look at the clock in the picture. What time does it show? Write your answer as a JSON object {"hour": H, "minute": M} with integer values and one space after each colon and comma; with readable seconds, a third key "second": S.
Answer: {"hour": 6, "minute": 21}
